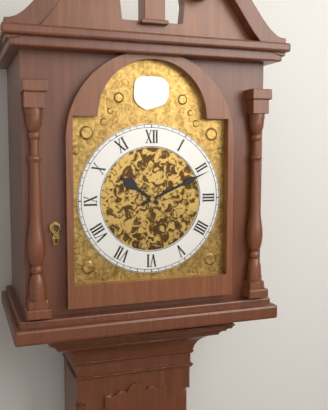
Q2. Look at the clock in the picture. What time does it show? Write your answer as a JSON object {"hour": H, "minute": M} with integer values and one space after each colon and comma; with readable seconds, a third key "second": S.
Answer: {"hour": 10, "minute": 11}
